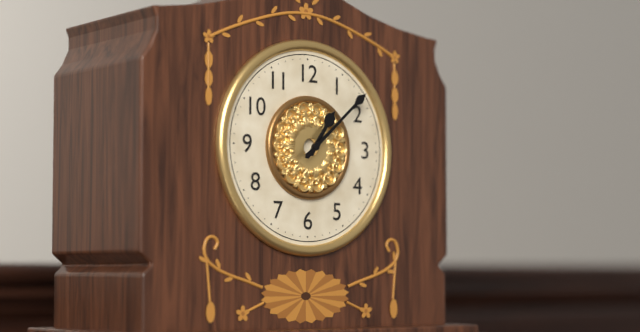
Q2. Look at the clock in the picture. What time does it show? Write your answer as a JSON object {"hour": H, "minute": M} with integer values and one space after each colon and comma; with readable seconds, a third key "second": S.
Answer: {"hour": 1, "minute": 8}
